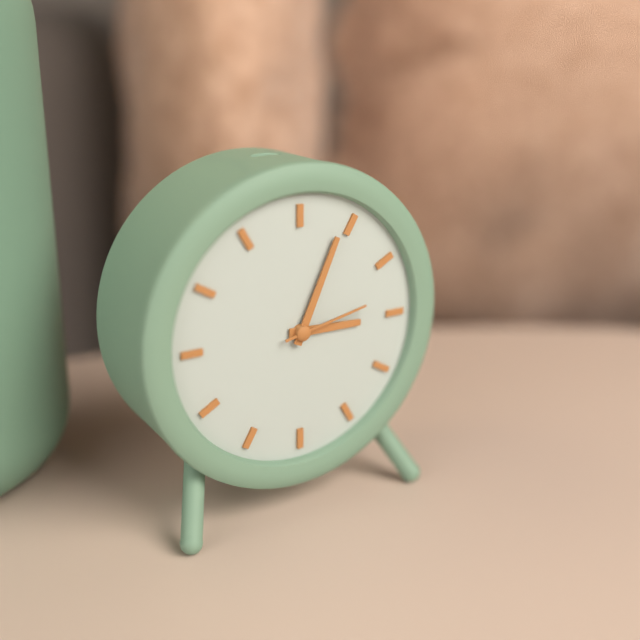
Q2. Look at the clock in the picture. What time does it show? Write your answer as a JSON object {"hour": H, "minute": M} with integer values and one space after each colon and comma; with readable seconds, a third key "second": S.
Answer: {"hour": 3, "minute": 4, "second": 13}
